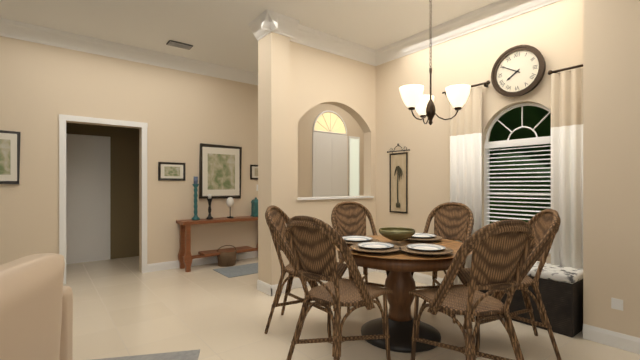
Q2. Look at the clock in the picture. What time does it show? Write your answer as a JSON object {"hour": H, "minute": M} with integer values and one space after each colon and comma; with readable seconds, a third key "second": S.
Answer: {"hour": 7, "minute": 50}
